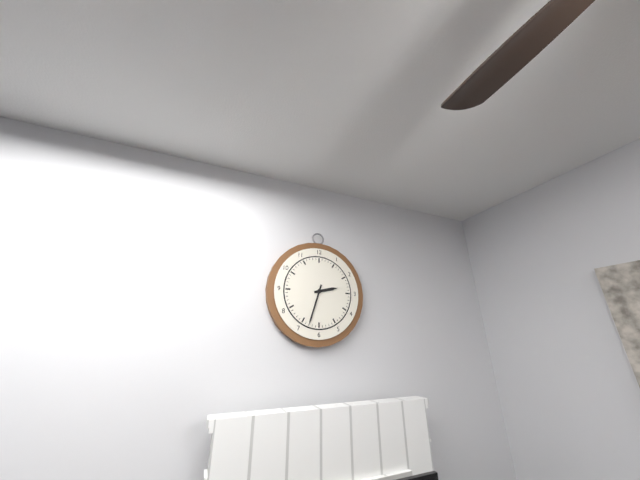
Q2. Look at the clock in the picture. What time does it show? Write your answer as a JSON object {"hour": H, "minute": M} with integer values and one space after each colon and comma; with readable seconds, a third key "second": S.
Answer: {"hour": 2, "minute": 33}
